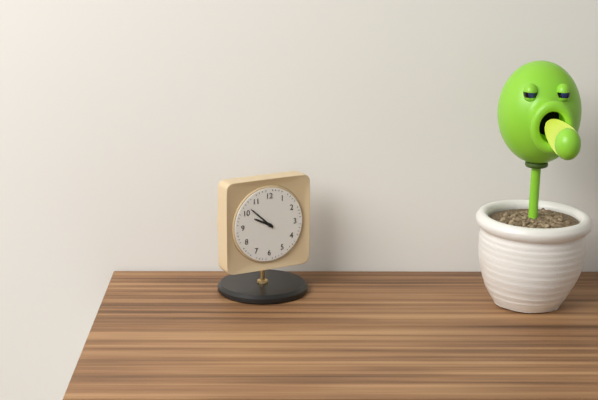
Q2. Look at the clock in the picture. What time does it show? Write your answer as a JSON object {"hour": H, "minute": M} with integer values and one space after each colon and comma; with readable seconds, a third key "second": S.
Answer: {"hour": 9, "minute": 52}
